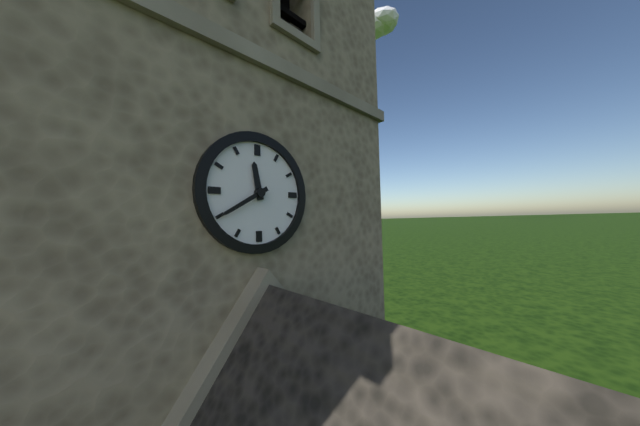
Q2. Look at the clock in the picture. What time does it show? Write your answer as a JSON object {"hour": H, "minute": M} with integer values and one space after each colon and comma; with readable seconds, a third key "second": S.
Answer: {"hour": 11, "minute": 40}
